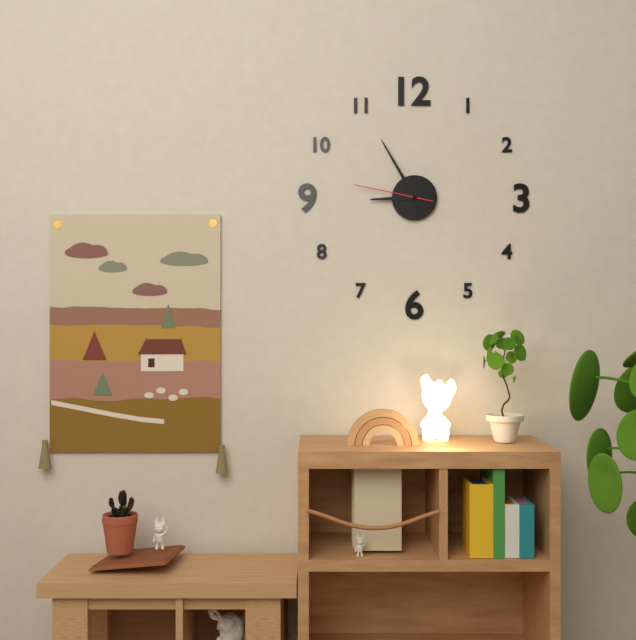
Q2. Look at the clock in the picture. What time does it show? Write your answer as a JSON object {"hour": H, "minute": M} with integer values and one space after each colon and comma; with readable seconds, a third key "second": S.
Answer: {"hour": 8, "minute": 55, "second": 47}
